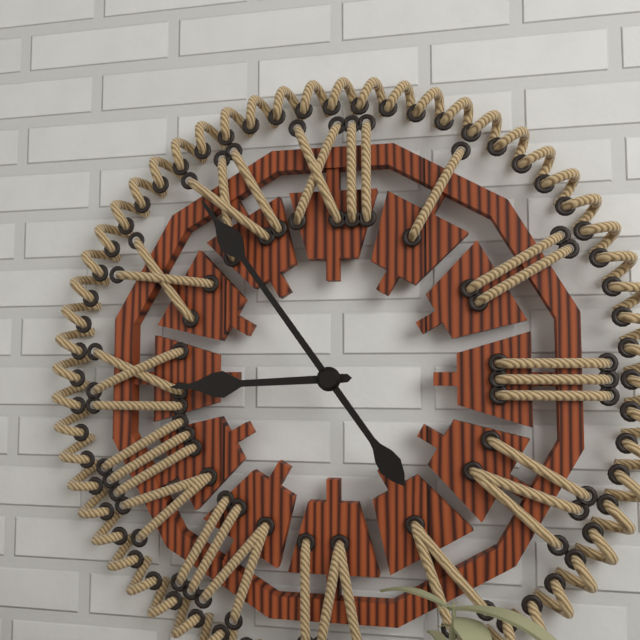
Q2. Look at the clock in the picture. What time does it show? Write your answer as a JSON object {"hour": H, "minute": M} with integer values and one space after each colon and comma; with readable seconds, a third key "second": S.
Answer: {"hour": 8, "minute": 54}
